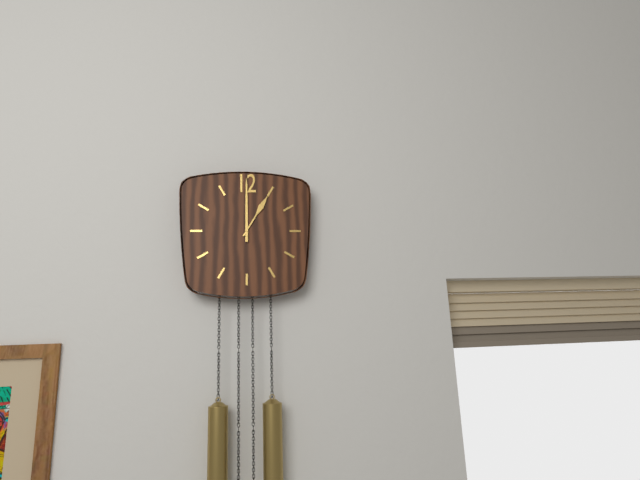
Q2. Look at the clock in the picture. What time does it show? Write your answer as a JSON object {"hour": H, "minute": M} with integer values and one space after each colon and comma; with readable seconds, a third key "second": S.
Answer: {"hour": 1, "minute": 0}
